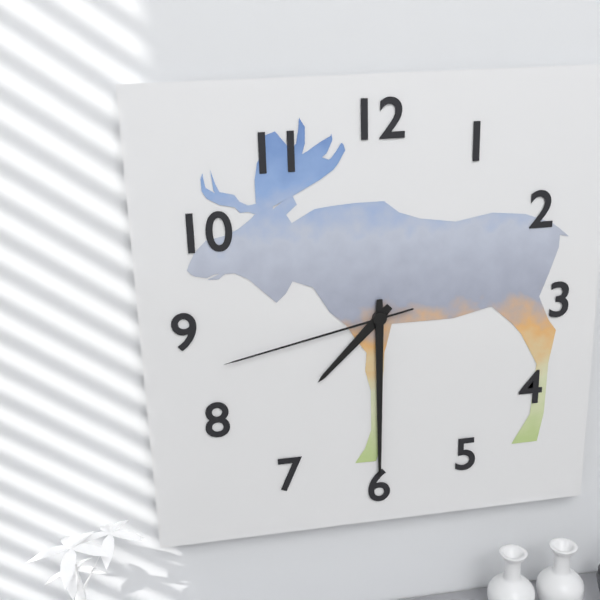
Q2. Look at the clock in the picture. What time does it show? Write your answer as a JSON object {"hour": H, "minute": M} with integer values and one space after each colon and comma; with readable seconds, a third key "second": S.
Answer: {"hour": 7, "minute": 30, "second": 43}
